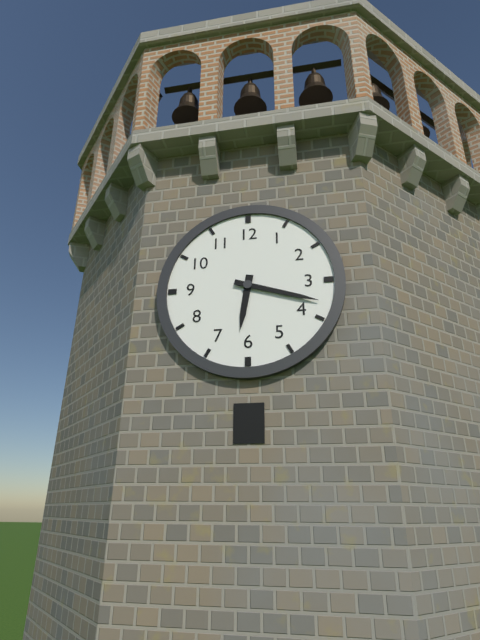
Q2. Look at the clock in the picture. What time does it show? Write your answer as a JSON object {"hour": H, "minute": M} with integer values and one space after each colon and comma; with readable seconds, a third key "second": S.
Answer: {"hour": 6, "minute": 18}
